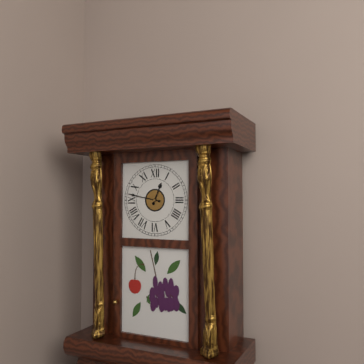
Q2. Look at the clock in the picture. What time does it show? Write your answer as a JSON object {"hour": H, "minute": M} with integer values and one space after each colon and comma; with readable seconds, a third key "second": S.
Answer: {"hour": 12, "minute": 47}
